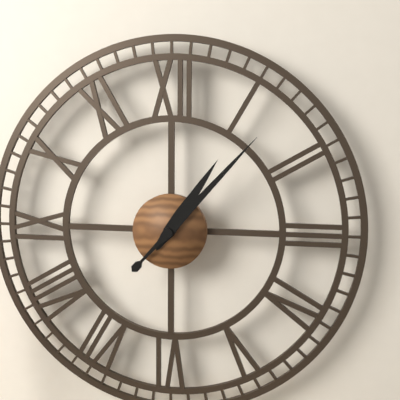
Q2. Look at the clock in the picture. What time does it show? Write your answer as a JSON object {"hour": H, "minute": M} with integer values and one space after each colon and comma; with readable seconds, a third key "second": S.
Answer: {"hour": 1, "minute": 7}
